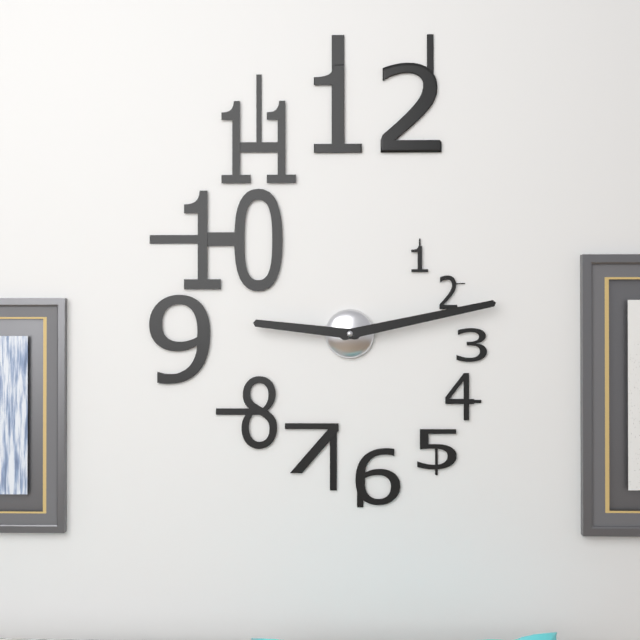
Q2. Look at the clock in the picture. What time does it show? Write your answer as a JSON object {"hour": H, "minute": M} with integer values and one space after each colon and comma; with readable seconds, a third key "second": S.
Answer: {"hour": 9, "minute": 13}
